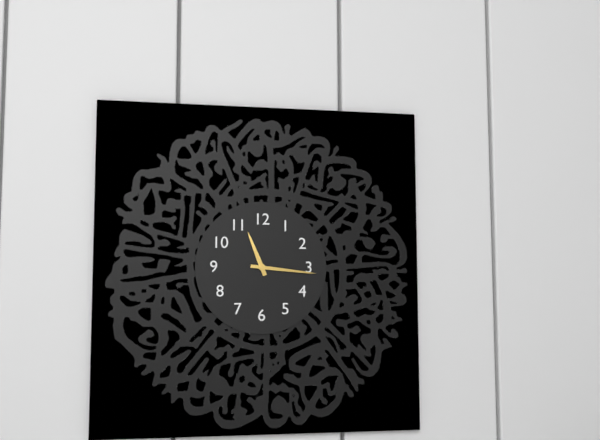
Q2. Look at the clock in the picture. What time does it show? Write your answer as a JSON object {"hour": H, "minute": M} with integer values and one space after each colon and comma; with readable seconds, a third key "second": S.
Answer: {"hour": 11, "minute": 16}
